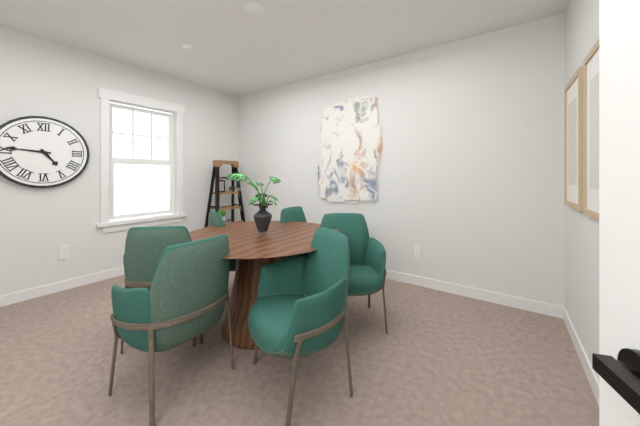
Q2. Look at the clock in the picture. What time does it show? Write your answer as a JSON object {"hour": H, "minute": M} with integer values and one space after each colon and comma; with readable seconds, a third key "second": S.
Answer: {"hour": 4, "minute": 46}
